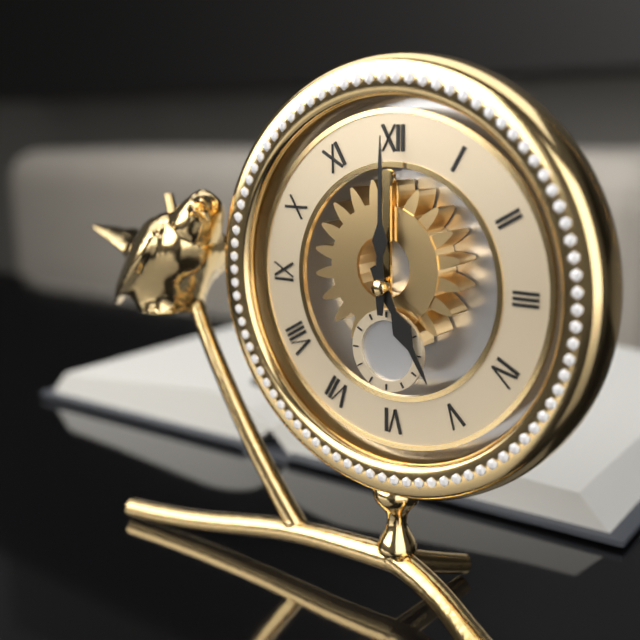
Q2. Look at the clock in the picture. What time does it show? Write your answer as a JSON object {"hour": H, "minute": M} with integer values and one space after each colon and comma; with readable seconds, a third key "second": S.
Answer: {"hour": 5, "minute": 0}
